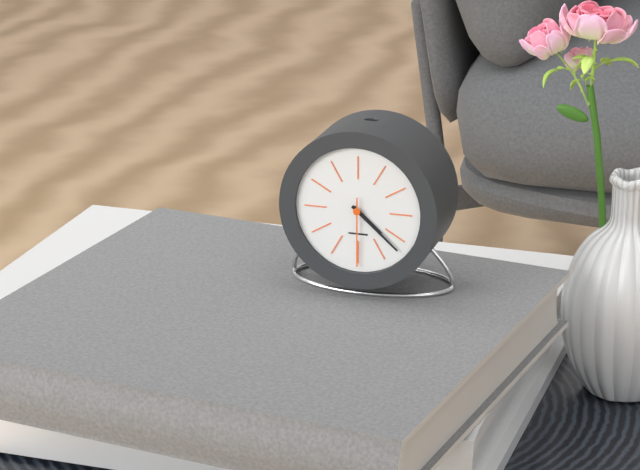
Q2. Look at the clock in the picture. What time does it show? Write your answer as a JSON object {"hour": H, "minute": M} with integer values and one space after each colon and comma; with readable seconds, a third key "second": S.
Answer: {"hour": 4, "minute": 22, "second": 30}
